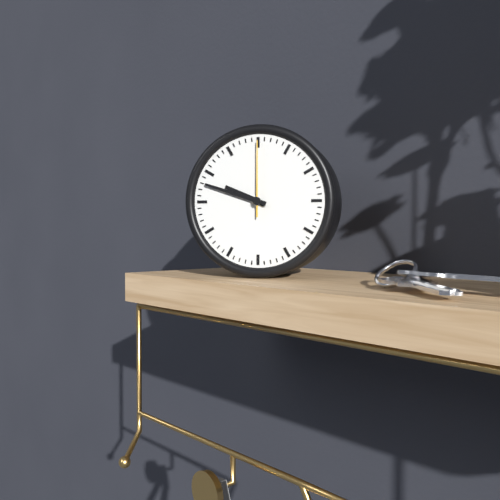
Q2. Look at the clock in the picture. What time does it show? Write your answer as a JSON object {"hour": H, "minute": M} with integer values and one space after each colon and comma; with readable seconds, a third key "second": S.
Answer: {"hour": 9, "minute": 48, "second": 0}
